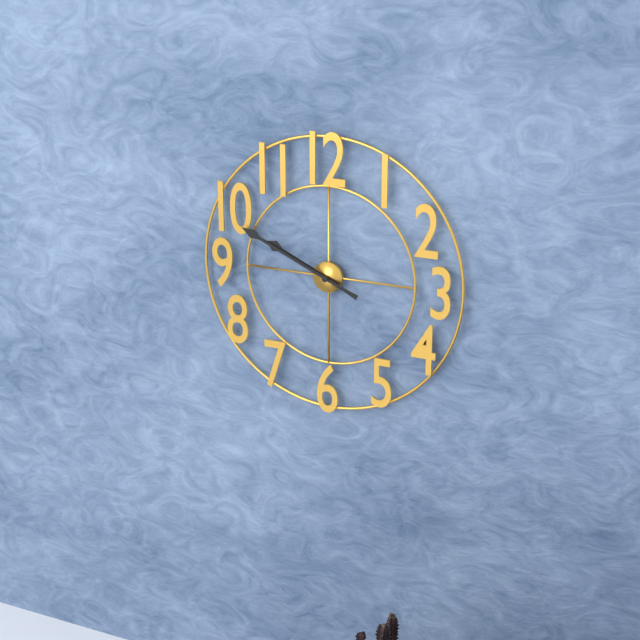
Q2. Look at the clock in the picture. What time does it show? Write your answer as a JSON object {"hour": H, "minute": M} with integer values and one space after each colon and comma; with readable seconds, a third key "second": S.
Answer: {"hour": 9, "minute": 49}
